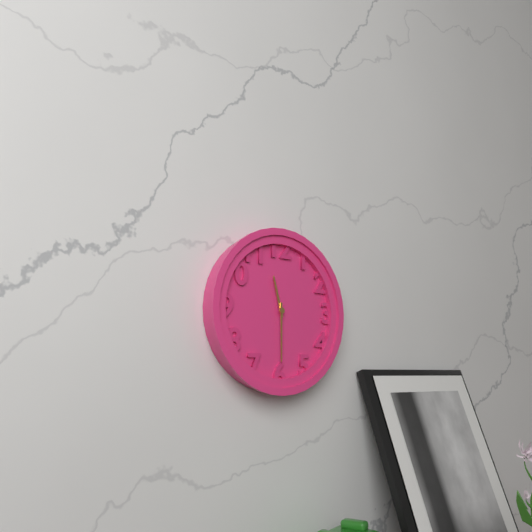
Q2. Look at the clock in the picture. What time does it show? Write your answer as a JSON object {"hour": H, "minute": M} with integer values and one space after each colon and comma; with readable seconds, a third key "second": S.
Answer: {"hour": 11, "minute": 30}
